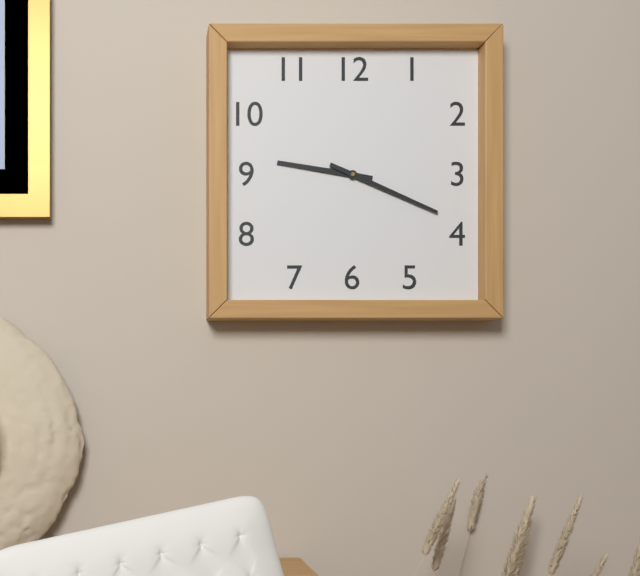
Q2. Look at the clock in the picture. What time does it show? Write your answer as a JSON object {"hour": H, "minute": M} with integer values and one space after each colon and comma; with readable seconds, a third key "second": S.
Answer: {"hour": 9, "minute": 19}
